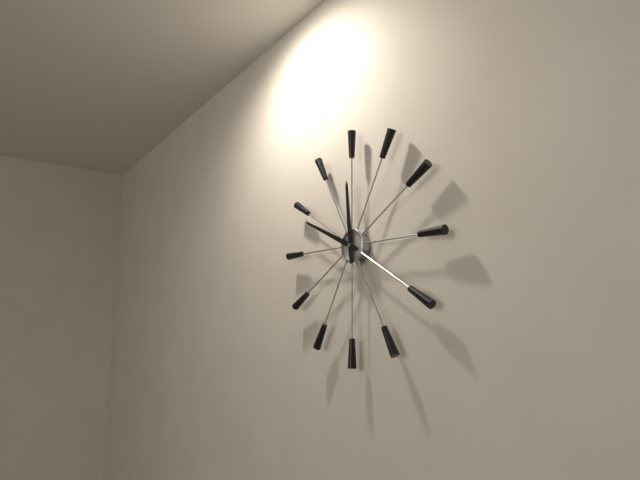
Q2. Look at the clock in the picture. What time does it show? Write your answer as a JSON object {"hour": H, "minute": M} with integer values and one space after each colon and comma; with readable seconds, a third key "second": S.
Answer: {"hour": 11, "minute": 49}
